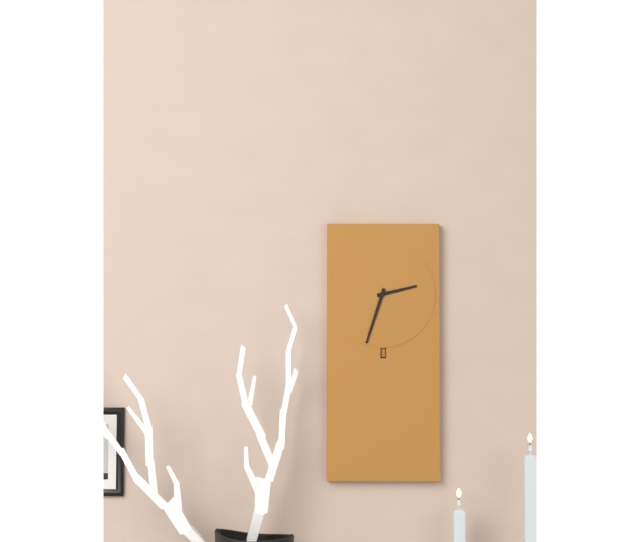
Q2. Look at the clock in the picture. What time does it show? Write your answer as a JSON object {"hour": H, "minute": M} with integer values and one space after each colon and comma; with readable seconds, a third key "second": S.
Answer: {"hour": 2, "minute": 33}
